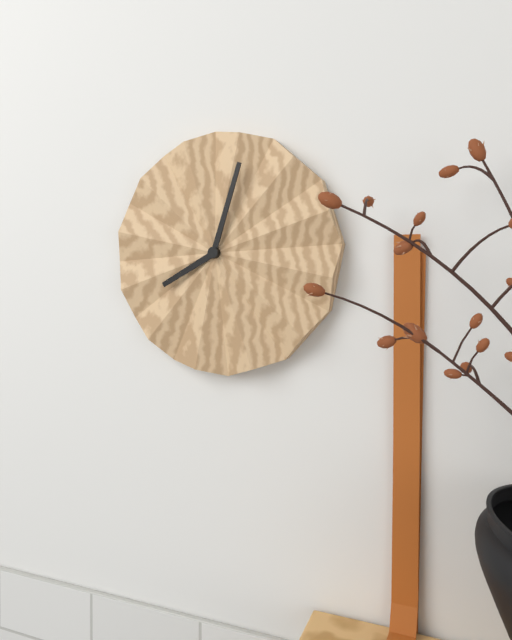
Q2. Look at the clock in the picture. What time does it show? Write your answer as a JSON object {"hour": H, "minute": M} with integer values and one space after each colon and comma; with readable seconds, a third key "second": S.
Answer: {"hour": 8, "minute": 3}
